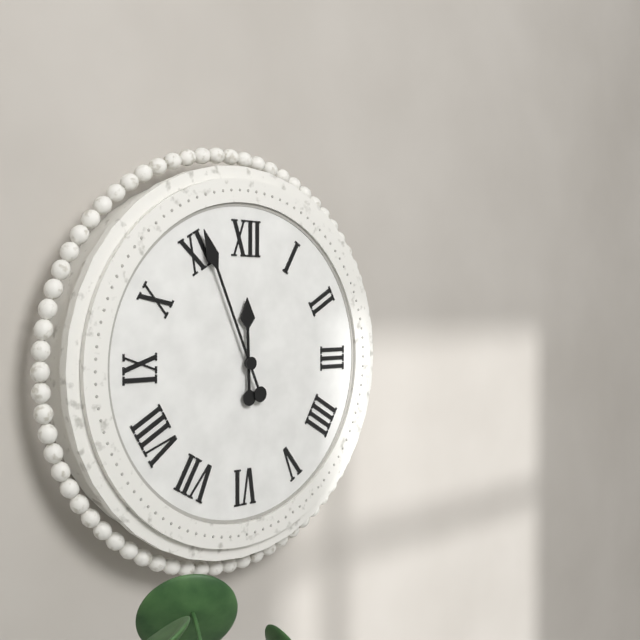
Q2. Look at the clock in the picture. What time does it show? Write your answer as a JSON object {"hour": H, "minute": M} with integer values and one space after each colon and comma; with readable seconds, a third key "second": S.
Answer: {"hour": 11, "minute": 56}
